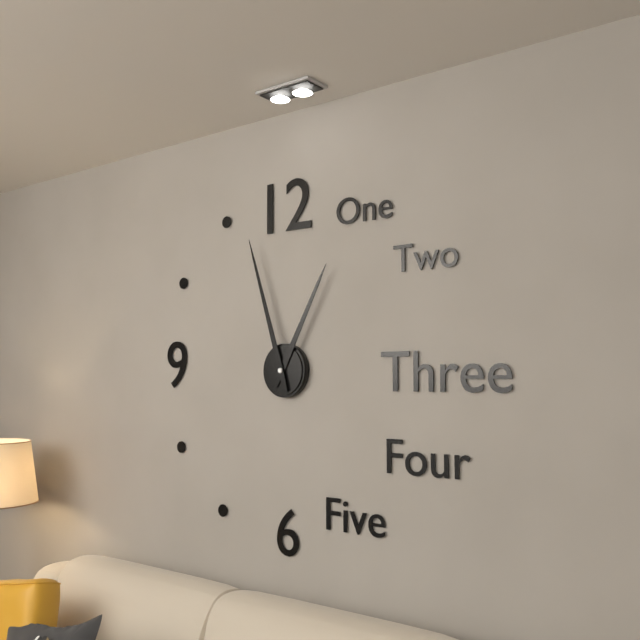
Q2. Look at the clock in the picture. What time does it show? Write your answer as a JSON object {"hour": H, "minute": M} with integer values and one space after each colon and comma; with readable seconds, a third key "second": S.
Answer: {"hour": 12, "minute": 57}
